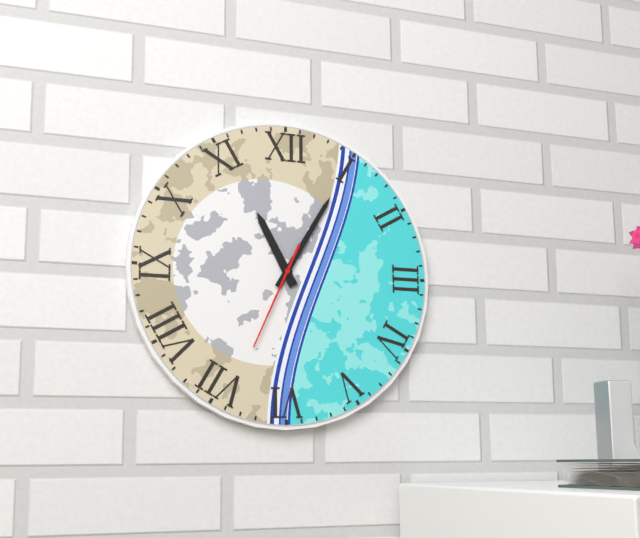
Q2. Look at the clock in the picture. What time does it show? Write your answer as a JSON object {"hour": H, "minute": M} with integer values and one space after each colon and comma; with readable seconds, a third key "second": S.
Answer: {"hour": 11, "minute": 5, "second": 34}
